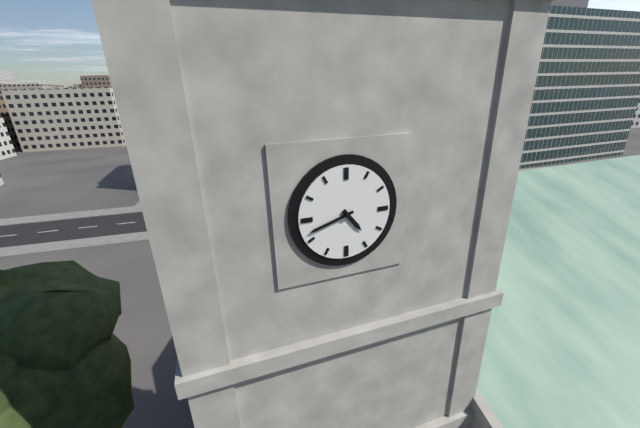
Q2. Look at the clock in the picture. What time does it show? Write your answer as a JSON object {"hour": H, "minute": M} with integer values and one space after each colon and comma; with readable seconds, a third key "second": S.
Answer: {"hour": 4, "minute": 42}
